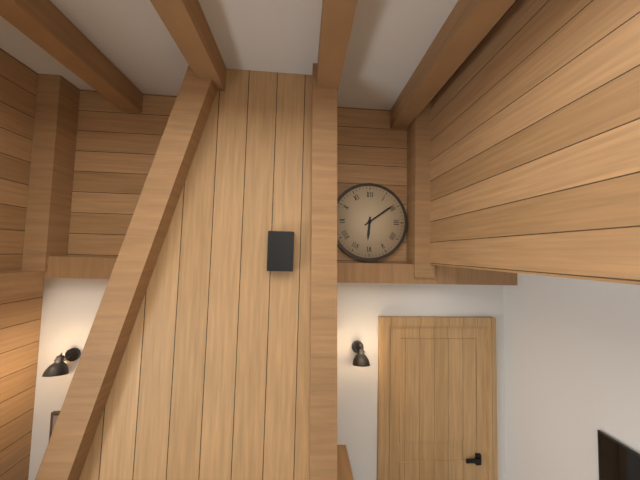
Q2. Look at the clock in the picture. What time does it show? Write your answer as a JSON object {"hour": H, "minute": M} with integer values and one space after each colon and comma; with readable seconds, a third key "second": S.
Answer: {"hour": 6, "minute": 9}
